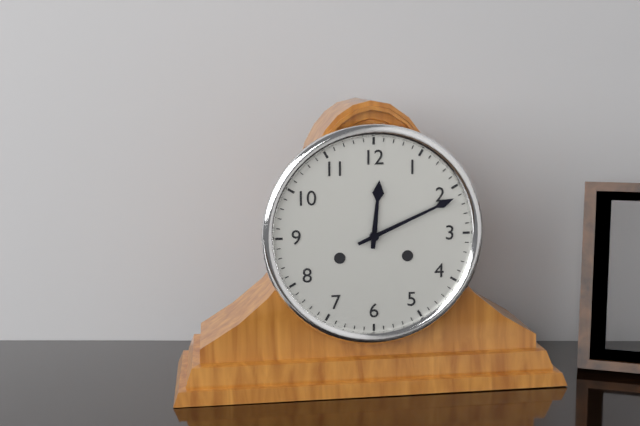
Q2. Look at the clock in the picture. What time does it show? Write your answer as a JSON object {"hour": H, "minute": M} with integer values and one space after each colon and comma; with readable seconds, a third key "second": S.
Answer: {"hour": 12, "minute": 11}
